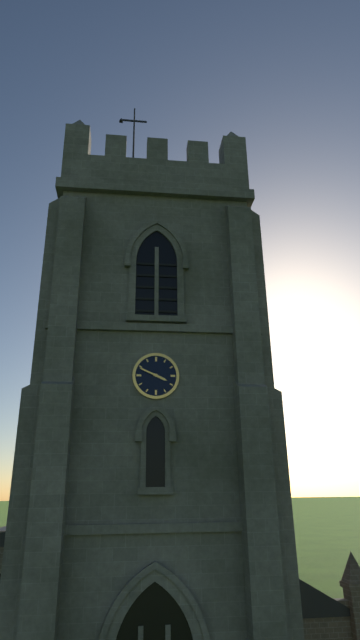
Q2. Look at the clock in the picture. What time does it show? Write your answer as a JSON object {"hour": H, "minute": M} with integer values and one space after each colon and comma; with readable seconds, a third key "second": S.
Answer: {"hour": 3, "minute": 49}
